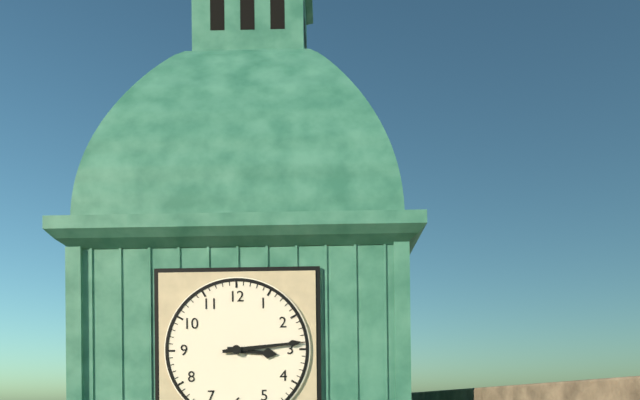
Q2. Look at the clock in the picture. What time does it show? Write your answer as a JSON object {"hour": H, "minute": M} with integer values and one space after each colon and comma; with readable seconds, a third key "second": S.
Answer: {"hour": 3, "minute": 14}
